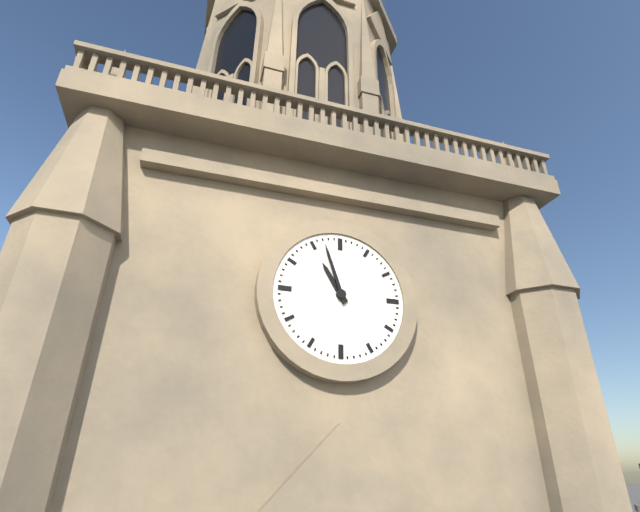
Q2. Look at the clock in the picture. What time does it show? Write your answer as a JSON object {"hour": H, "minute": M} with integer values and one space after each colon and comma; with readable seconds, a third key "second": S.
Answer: {"hour": 10, "minute": 57}
